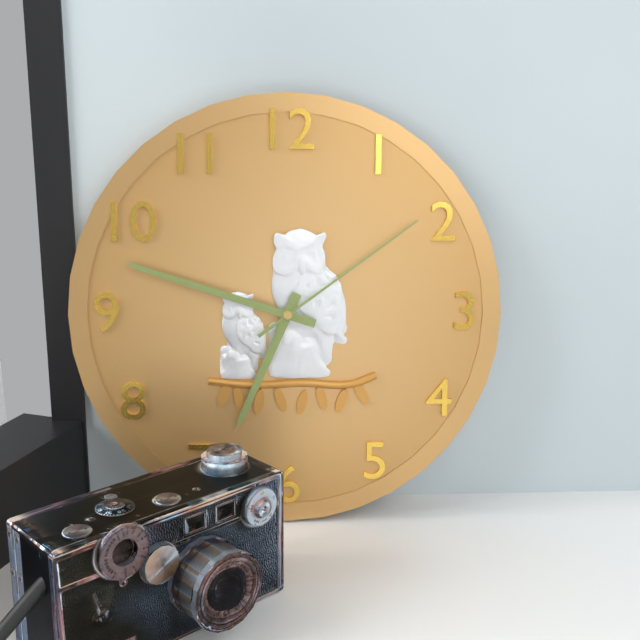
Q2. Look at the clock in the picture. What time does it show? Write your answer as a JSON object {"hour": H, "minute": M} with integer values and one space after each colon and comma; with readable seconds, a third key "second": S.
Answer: {"hour": 6, "minute": 48, "second": 9}
